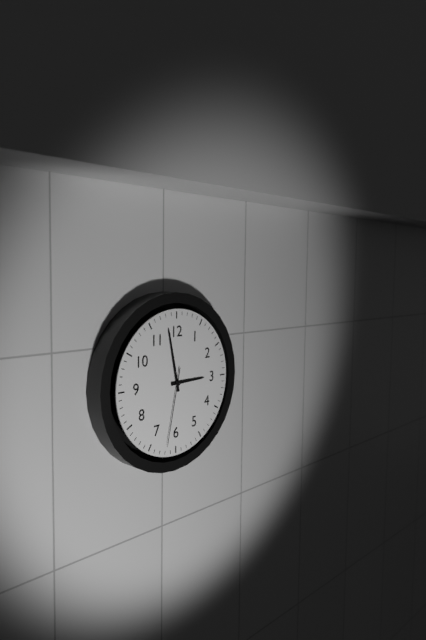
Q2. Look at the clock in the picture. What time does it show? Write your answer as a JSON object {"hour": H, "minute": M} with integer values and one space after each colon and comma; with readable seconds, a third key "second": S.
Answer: {"hour": 2, "minute": 58, "second": 32}
